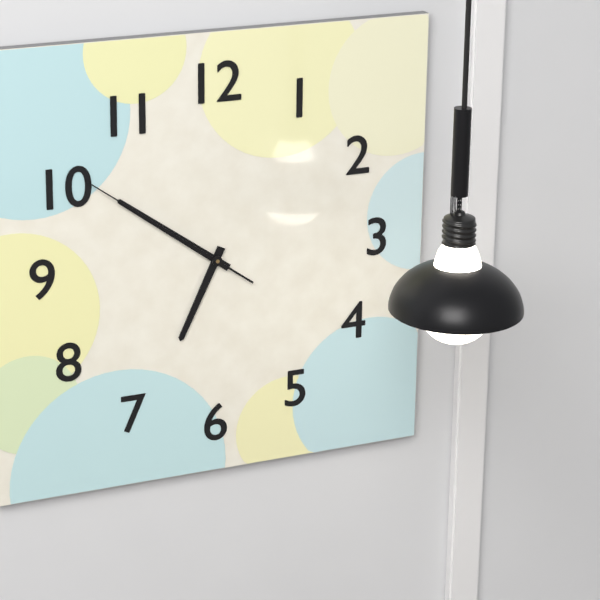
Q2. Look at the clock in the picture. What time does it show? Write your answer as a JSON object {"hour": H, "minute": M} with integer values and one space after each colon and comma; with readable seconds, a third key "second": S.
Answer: {"hour": 6, "minute": 51, "second": 51}
